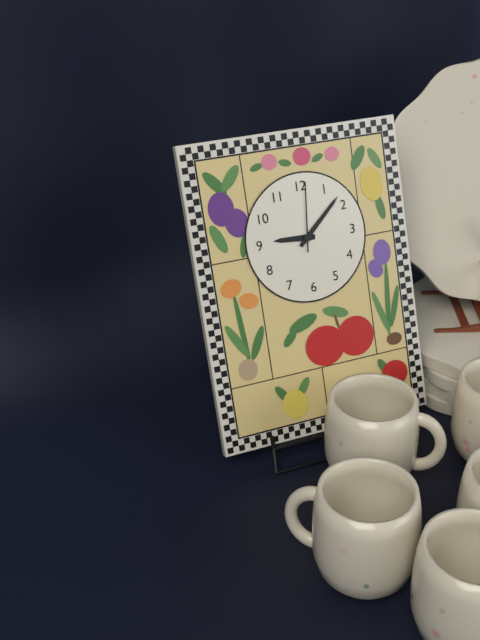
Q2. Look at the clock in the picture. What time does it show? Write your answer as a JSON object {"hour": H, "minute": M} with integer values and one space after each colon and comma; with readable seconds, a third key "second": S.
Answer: {"hour": 9, "minute": 8, "second": 1}
